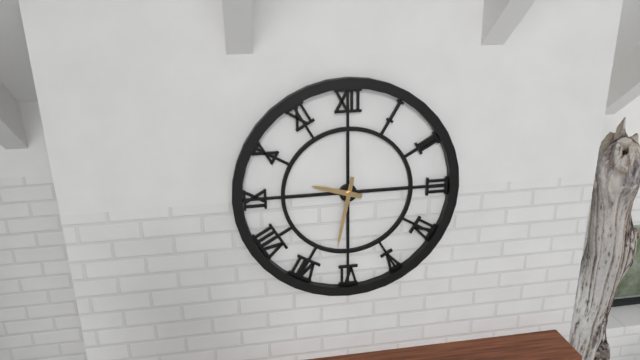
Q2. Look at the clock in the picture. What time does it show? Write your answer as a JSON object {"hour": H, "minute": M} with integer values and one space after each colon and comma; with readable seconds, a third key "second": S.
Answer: {"hour": 9, "minute": 32}
